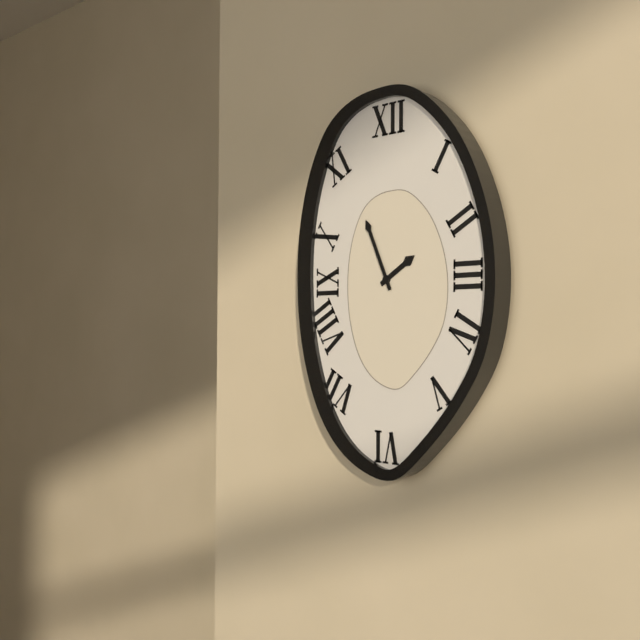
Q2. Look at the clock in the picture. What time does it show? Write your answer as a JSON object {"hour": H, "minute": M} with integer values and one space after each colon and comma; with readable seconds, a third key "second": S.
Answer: {"hour": 1, "minute": 56}
